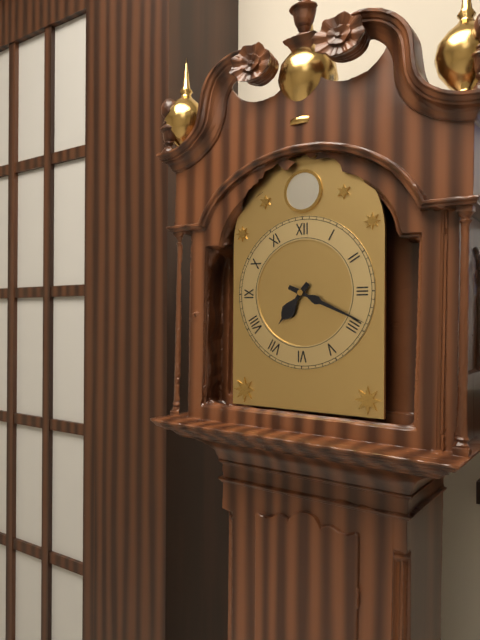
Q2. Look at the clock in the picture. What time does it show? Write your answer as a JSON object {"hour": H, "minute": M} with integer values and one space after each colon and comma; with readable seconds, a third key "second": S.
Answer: {"hour": 7, "minute": 19}
